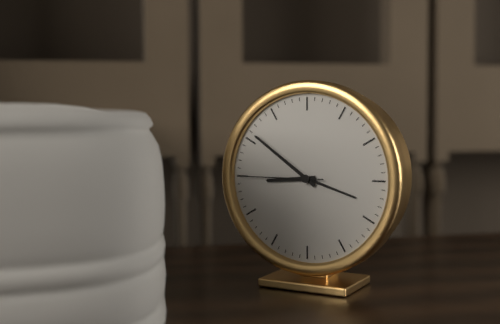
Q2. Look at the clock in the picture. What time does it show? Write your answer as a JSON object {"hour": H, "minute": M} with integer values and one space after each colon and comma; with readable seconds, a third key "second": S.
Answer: {"hour": 8, "minute": 51, "second": 45}
